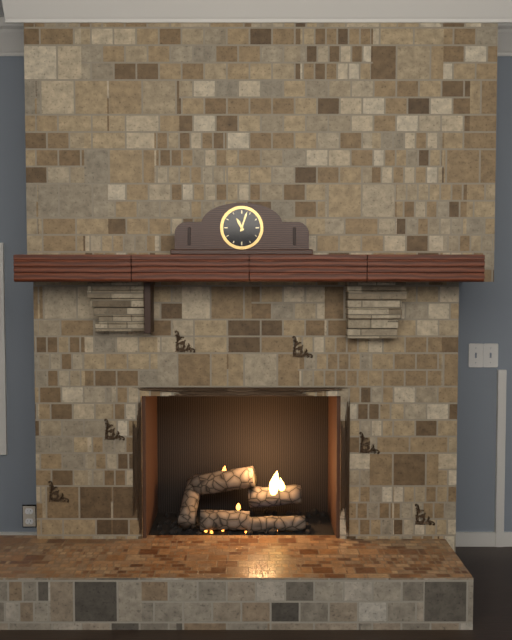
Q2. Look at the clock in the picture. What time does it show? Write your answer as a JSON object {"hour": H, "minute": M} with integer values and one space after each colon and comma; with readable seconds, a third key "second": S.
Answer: {"hour": 11, "minute": 3}
